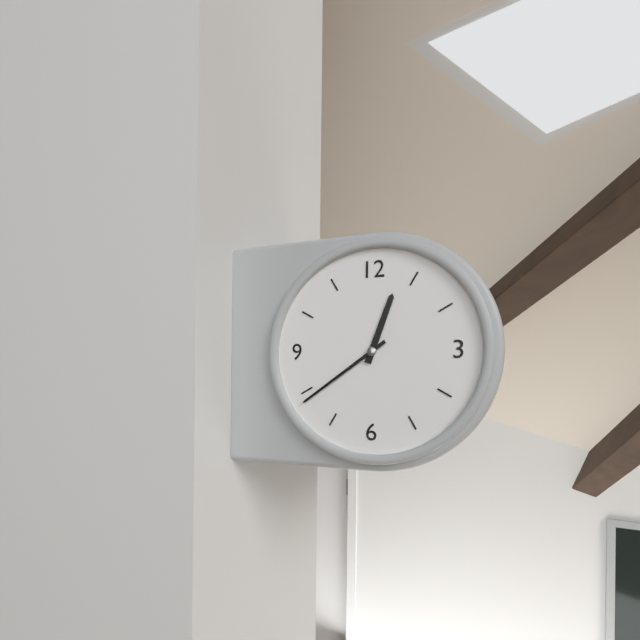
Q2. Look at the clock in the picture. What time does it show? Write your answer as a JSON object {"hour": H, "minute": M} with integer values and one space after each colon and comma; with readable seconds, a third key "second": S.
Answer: {"hour": 12, "minute": 39}
